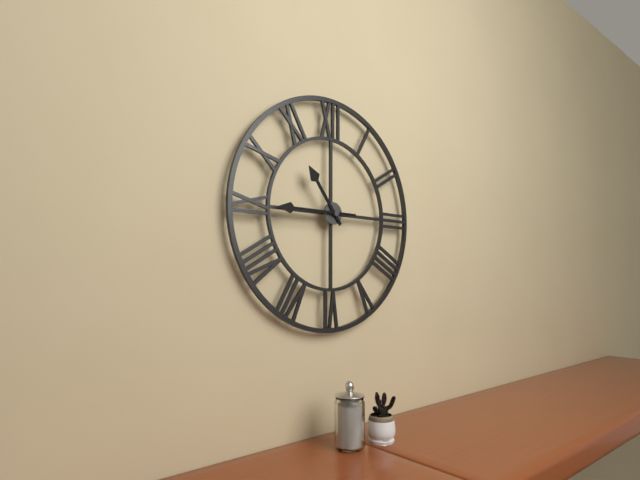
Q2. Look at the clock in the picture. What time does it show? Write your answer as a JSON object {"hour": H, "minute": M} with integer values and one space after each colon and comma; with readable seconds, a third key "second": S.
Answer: {"hour": 10, "minute": 45}
